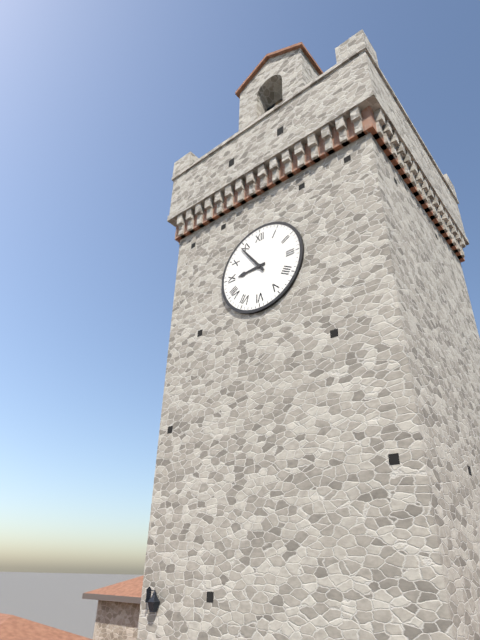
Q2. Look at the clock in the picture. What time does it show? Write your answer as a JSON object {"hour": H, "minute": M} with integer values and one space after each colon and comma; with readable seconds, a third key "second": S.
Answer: {"hour": 8, "minute": 54}
